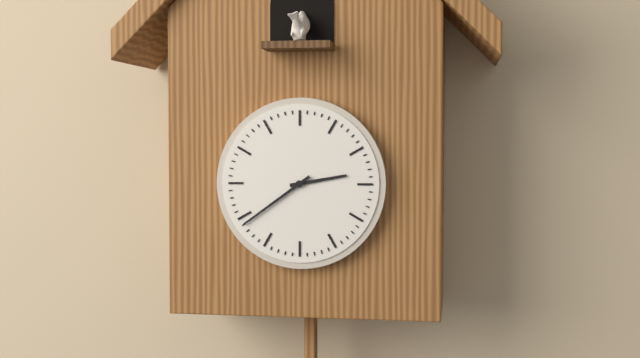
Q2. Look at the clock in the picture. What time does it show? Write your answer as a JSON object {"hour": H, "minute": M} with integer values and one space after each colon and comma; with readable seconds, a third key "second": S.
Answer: {"hour": 2, "minute": 39}
